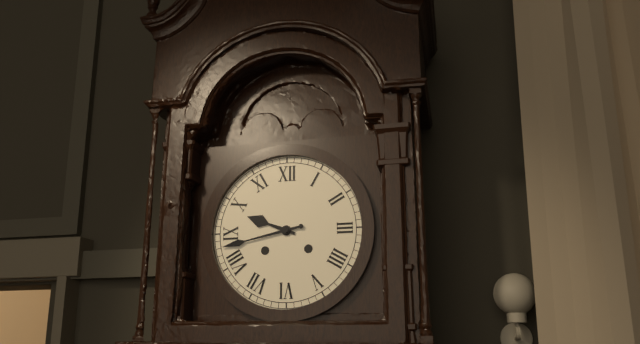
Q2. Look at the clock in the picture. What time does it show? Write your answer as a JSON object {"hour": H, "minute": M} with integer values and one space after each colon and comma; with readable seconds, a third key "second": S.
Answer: {"hour": 9, "minute": 43}
